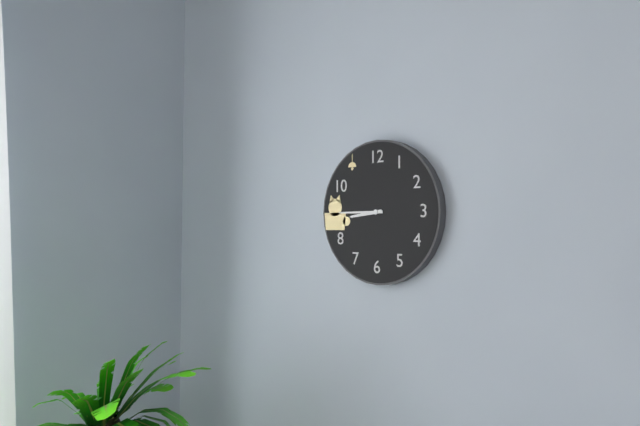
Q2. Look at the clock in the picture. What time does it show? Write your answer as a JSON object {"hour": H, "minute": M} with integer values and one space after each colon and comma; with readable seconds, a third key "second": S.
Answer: {"hour": 8, "minute": 45}
